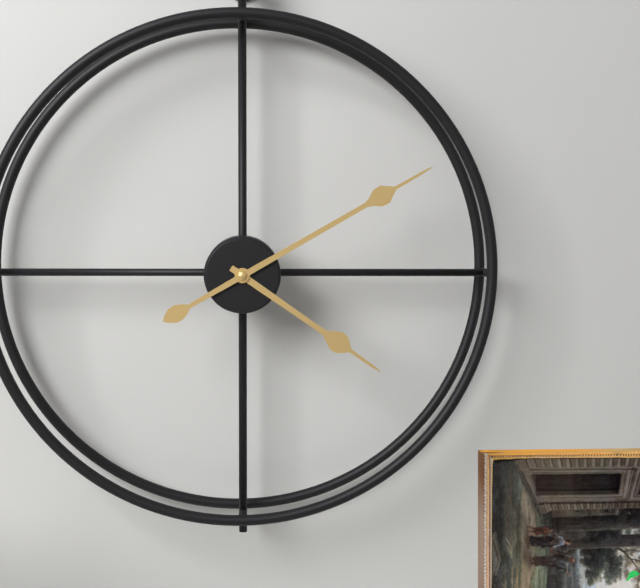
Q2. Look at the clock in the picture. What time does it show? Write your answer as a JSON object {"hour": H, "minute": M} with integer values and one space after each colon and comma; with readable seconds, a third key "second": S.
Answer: {"hour": 4, "minute": 10}
